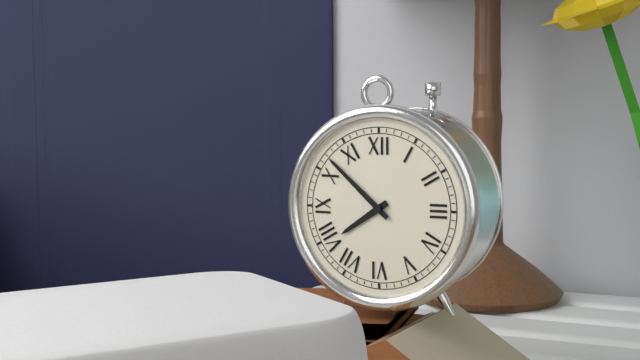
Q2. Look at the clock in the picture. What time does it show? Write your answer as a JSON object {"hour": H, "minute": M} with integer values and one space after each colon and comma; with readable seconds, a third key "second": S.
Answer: {"hour": 7, "minute": 52}
